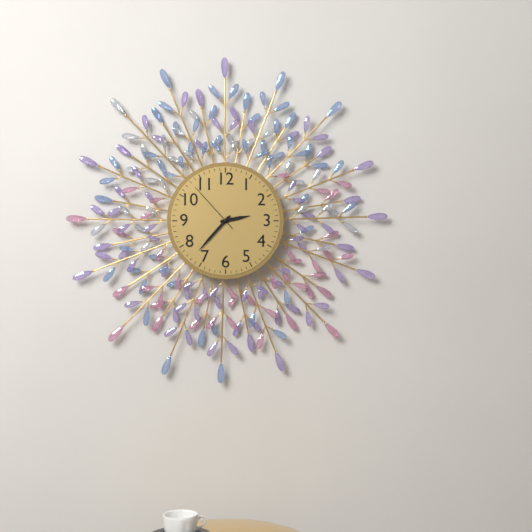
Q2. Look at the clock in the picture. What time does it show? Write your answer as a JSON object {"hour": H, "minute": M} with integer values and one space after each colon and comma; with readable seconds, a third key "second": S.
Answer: {"hour": 2, "minute": 37, "second": 53}
